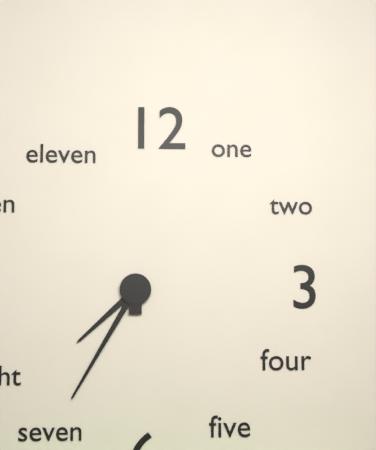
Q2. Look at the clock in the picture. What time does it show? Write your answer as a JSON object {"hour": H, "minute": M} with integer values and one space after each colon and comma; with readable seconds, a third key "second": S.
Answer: {"hour": 7, "minute": 35}
